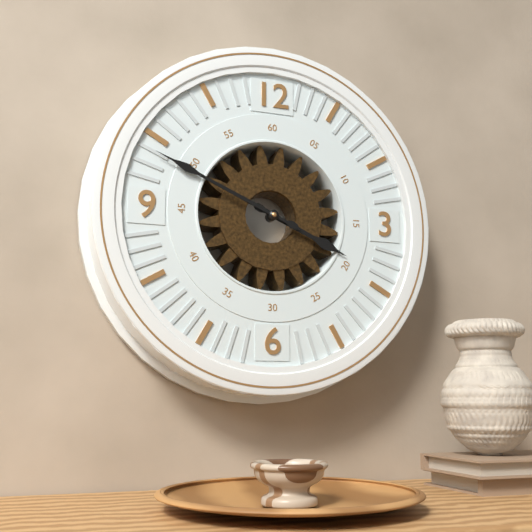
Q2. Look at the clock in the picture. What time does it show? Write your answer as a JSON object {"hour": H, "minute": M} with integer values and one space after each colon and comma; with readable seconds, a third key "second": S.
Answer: {"hour": 3, "minute": 49}
